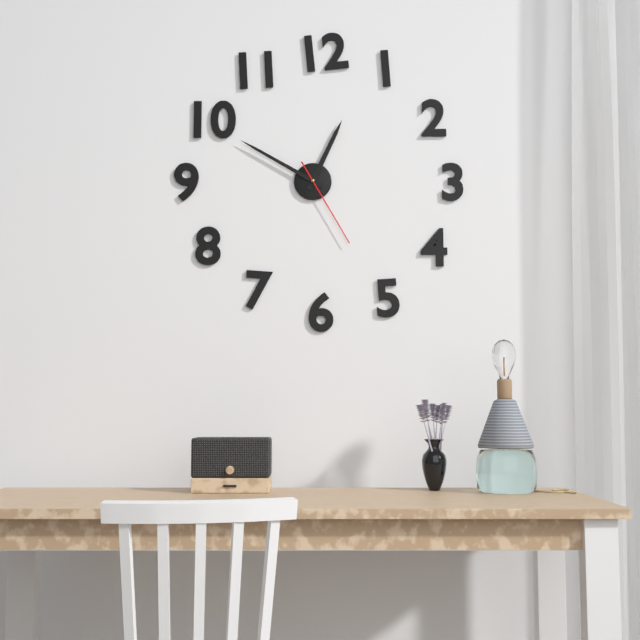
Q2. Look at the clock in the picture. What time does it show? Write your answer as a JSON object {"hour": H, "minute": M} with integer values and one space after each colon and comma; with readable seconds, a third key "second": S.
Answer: {"hour": 12, "minute": 50, "second": 25}
